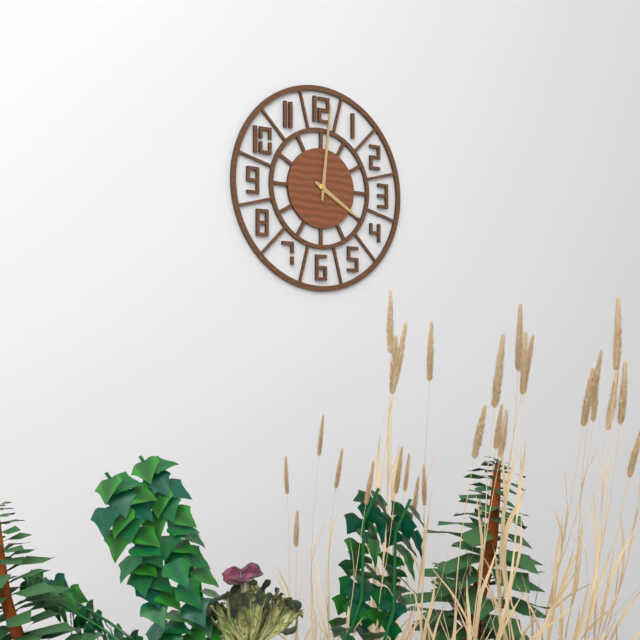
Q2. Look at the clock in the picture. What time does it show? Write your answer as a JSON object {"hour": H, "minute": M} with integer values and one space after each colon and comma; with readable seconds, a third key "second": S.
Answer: {"hour": 4, "minute": 1}
